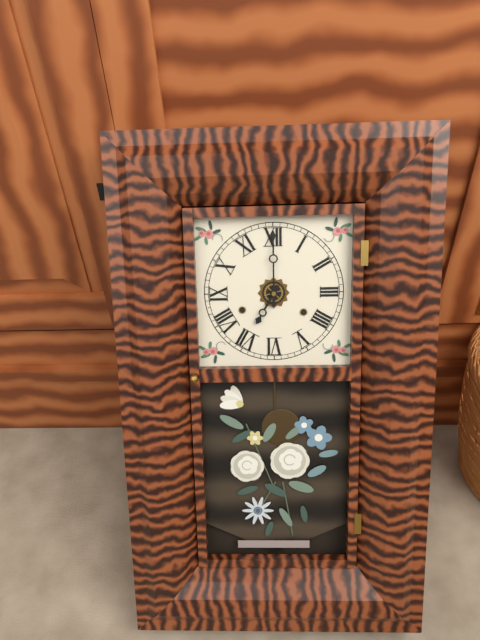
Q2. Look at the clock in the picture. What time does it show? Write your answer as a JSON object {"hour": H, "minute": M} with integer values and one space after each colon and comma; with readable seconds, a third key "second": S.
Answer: {"hour": 7, "minute": 0}
